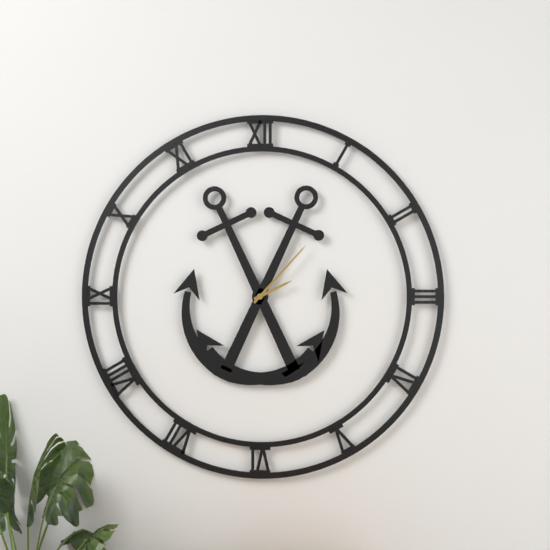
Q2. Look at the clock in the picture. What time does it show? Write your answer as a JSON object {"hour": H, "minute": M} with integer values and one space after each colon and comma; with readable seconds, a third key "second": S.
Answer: {"hour": 2, "minute": 7}
